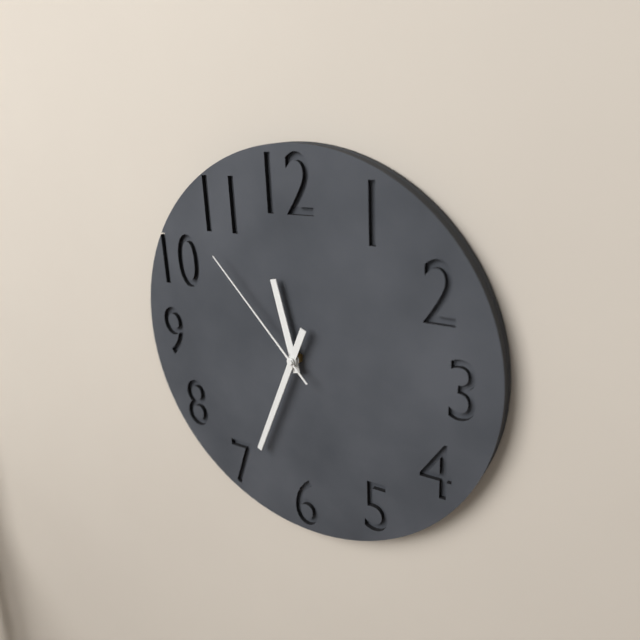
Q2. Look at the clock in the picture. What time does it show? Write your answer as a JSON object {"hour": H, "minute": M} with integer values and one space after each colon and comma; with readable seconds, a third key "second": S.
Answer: {"hour": 11, "minute": 34, "second": 53}
